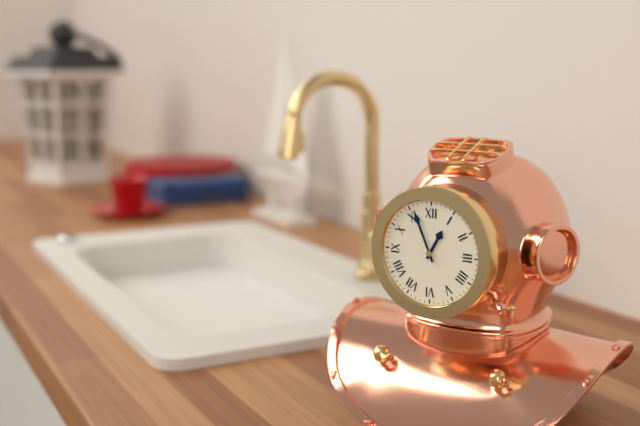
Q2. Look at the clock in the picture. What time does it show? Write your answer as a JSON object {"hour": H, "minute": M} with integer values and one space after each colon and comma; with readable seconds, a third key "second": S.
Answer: {"hour": 12, "minute": 56}
